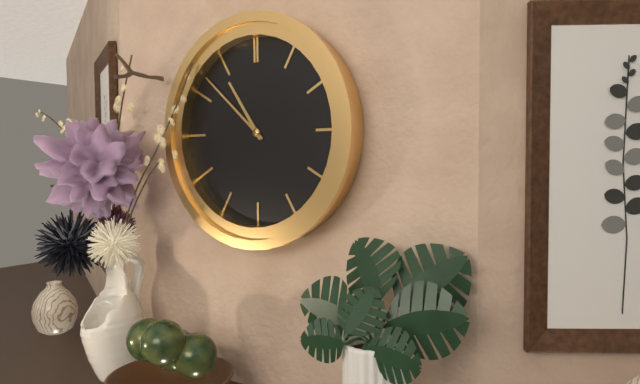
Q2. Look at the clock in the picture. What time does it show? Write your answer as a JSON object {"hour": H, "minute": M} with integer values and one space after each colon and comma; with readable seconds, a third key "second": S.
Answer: {"hour": 10, "minute": 52}
